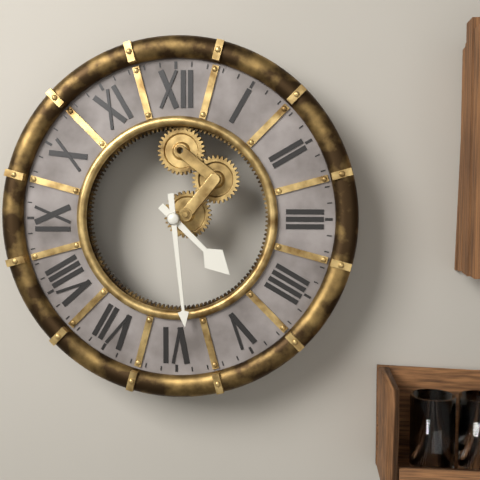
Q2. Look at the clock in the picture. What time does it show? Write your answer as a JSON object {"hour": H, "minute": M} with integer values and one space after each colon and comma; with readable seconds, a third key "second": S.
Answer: {"hour": 4, "minute": 29}
